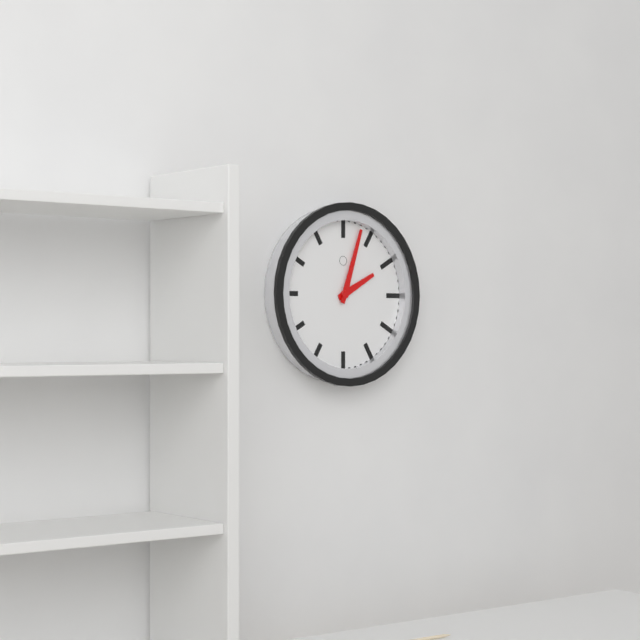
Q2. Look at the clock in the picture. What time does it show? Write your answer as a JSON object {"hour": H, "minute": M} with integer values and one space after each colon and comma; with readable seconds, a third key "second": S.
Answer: {"hour": 2, "minute": 3}
